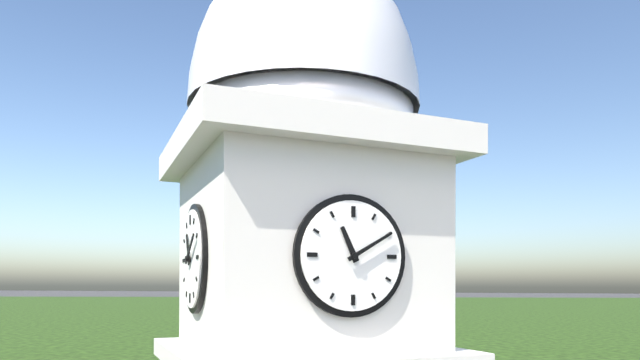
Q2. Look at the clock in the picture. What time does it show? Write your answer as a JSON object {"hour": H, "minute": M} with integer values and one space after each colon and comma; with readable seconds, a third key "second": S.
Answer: {"hour": 11, "minute": 10}
